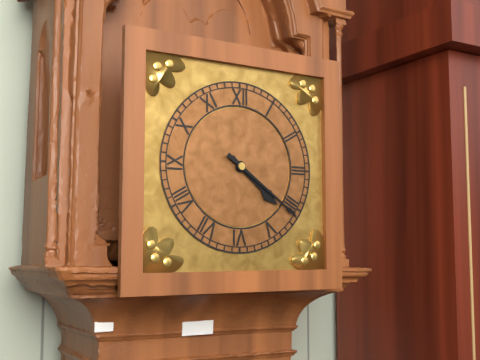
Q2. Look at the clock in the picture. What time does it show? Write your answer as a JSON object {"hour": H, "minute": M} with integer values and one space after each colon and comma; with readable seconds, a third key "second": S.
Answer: {"hour": 4, "minute": 21}
